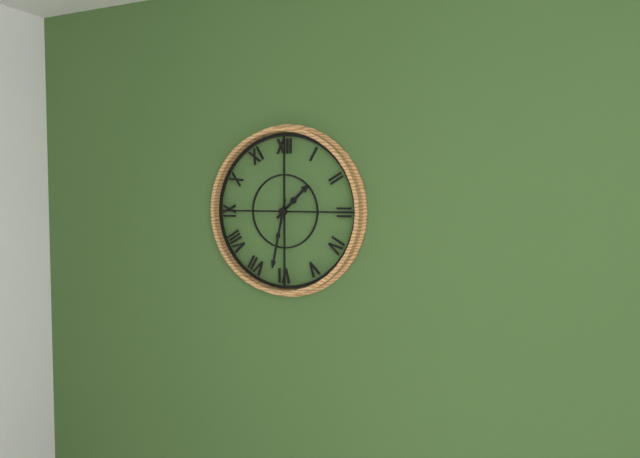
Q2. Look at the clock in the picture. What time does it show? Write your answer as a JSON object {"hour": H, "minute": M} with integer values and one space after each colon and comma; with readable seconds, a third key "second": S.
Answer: {"hour": 1, "minute": 32}
